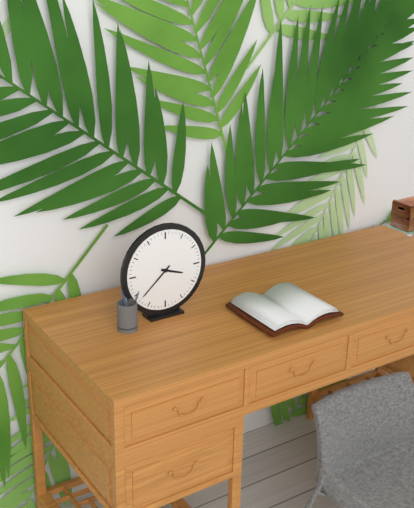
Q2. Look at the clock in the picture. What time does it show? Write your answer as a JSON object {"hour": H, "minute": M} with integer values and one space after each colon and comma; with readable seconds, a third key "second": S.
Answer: {"hour": 3, "minute": 38}
